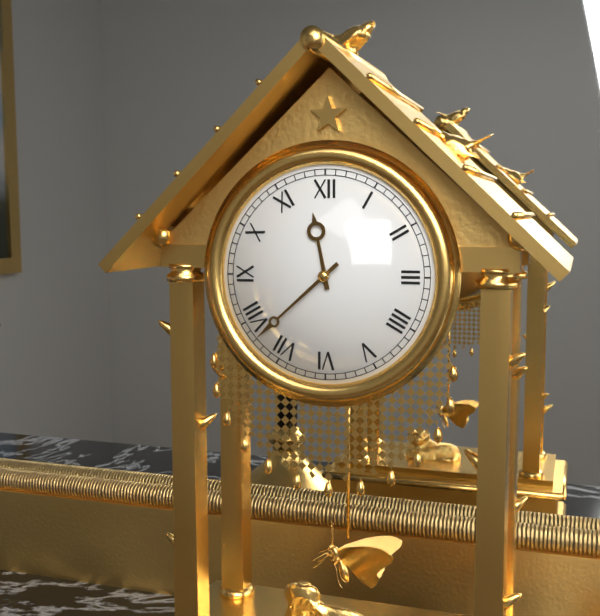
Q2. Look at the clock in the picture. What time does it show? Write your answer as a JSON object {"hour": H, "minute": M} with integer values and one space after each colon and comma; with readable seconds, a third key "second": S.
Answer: {"hour": 11, "minute": 38}
